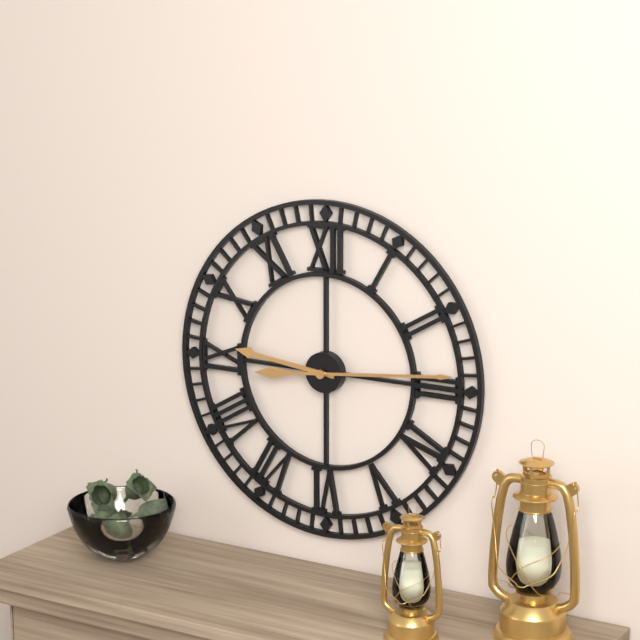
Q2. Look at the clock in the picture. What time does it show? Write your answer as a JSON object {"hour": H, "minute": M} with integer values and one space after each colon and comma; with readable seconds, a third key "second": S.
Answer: {"hour": 9, "minute": 14}
